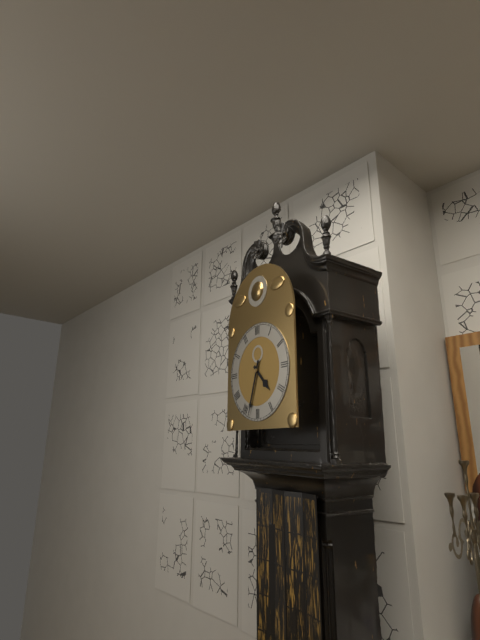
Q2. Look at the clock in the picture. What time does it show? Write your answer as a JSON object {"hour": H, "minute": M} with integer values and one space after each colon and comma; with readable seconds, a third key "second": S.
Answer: {"hour": 4, "minute": 33}
